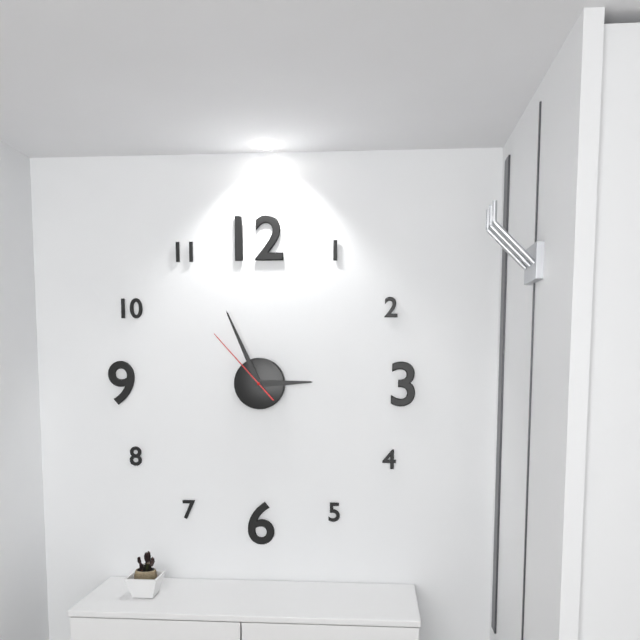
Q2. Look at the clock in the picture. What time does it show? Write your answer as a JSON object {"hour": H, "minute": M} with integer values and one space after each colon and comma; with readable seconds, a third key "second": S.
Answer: {"hour": 2, "minute": 56, "second": 53}
